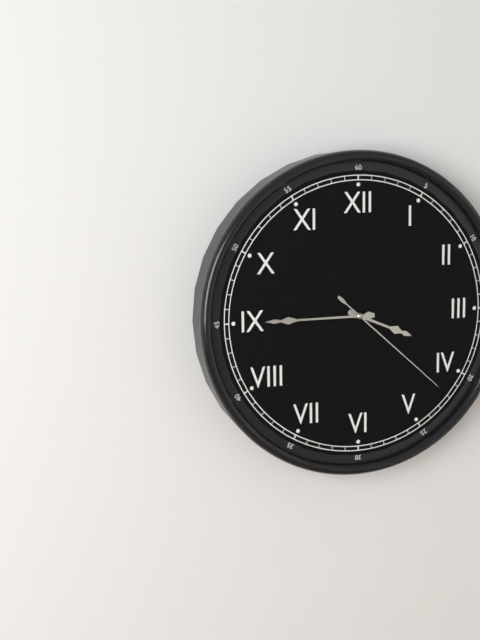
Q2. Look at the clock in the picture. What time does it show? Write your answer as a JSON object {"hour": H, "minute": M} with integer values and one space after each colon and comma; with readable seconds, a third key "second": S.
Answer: {"hour": 3, "minute": 45, "second": 22}
